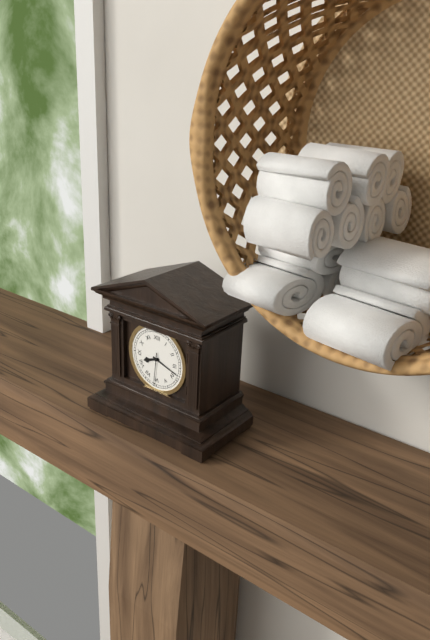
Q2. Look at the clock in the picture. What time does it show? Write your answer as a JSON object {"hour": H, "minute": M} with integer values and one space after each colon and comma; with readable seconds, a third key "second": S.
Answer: {"hour": 8, "minute": 18}
